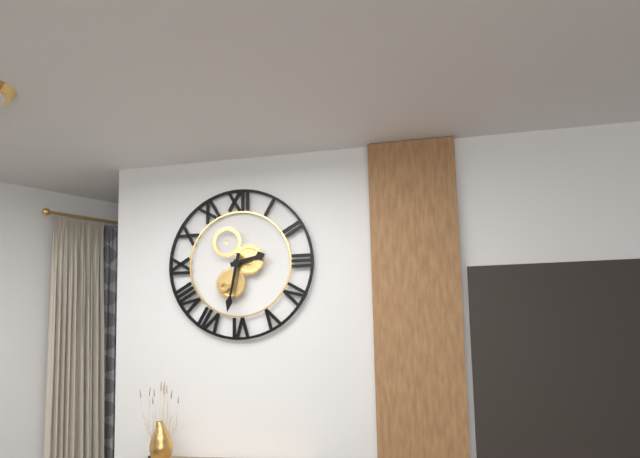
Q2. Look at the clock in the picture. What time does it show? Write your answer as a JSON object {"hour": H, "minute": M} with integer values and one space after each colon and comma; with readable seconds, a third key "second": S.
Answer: {"hour": 2, "minute": 32}
